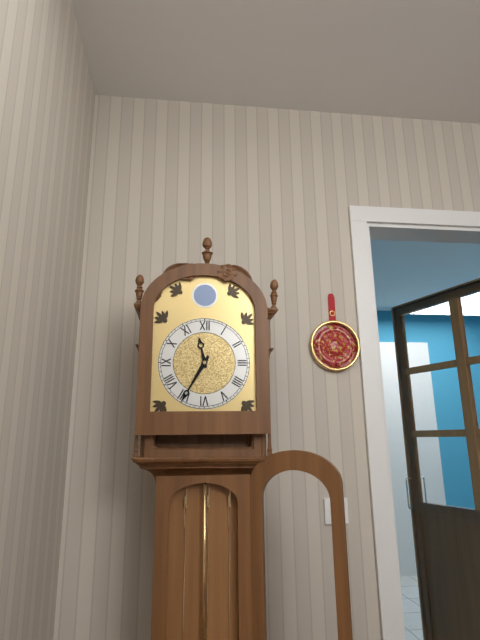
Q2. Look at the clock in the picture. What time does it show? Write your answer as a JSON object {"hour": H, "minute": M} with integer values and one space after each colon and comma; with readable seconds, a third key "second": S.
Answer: {"hour": 11, "minute": 35}
